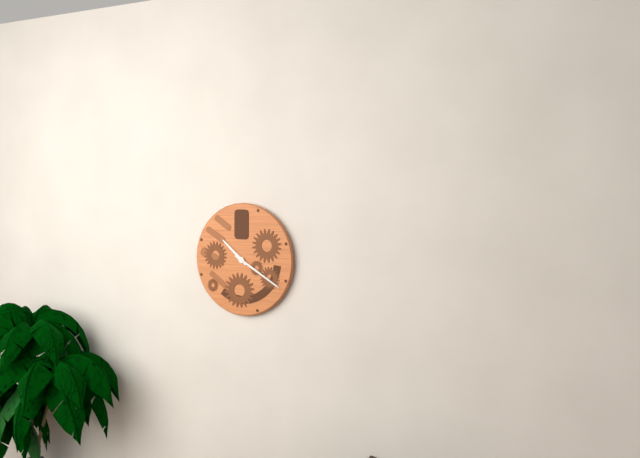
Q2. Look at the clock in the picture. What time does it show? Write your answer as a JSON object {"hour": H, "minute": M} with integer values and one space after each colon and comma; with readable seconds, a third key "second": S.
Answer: {"hour": 10, "minute": 20}
